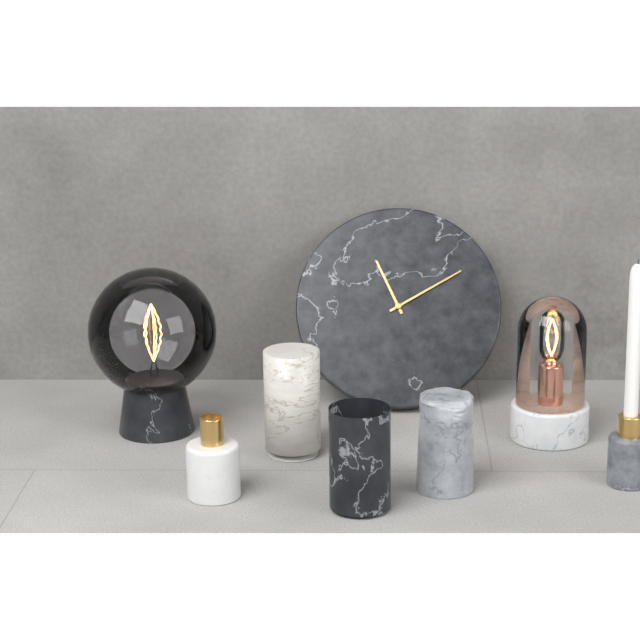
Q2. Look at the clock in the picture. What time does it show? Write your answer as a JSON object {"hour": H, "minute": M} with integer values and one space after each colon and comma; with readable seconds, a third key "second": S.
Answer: {"hour": 11, "minute": 10}
